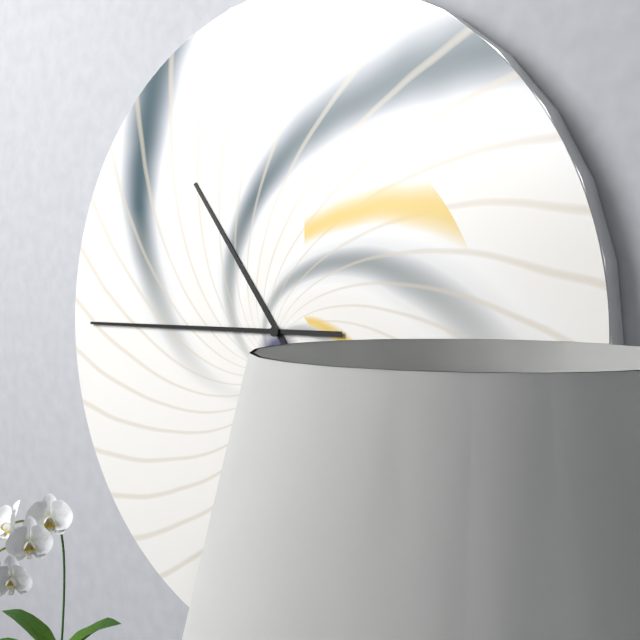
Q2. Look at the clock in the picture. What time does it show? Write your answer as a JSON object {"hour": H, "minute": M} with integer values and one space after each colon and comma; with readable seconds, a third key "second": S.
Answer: {"hour": 10, "minute": 45}
